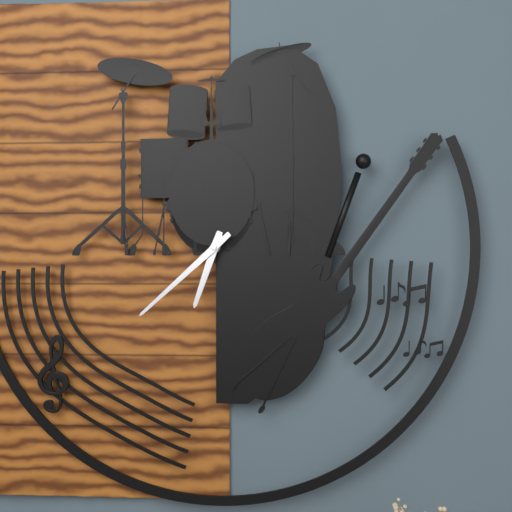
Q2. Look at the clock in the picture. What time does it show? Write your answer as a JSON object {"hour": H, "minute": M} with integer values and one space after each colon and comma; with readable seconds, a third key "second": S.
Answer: {"hour": 6, "minute": 38}
